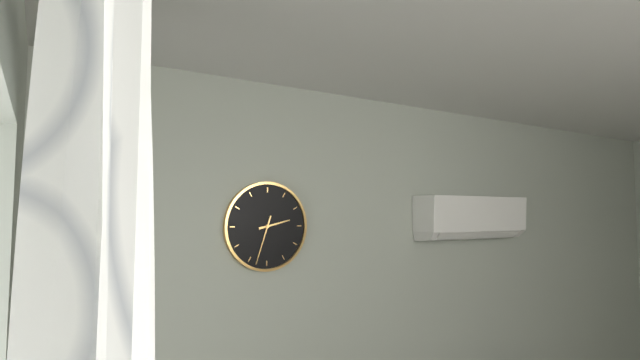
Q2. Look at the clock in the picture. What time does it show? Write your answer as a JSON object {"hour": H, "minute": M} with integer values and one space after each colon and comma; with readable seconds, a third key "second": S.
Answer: {"hour": 2, "minute": 33}
